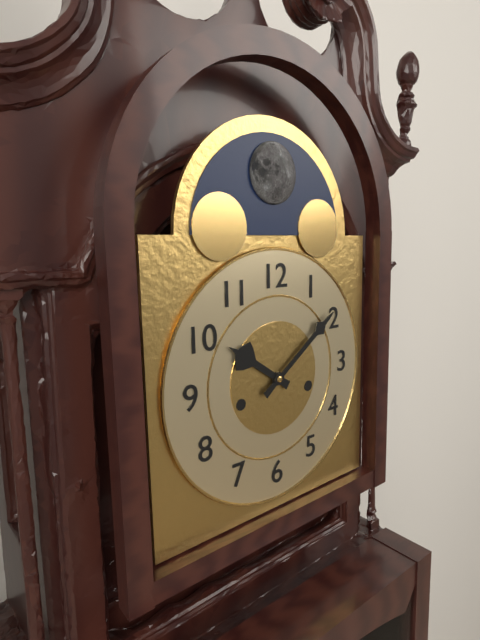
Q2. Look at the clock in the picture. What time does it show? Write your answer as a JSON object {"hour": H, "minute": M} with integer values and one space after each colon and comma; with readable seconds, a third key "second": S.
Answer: {"hour": 10, "minute": 9}
